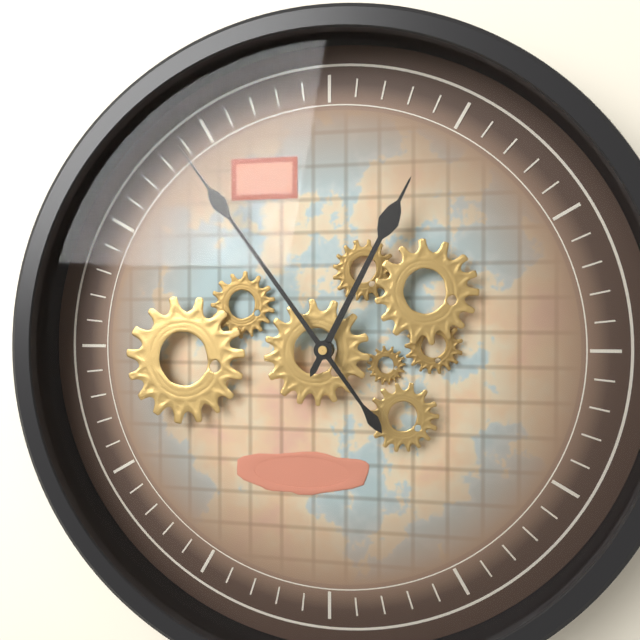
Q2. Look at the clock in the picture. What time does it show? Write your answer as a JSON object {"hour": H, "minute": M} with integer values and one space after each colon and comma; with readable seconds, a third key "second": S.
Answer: {"hour": 12, "minute": 54}
